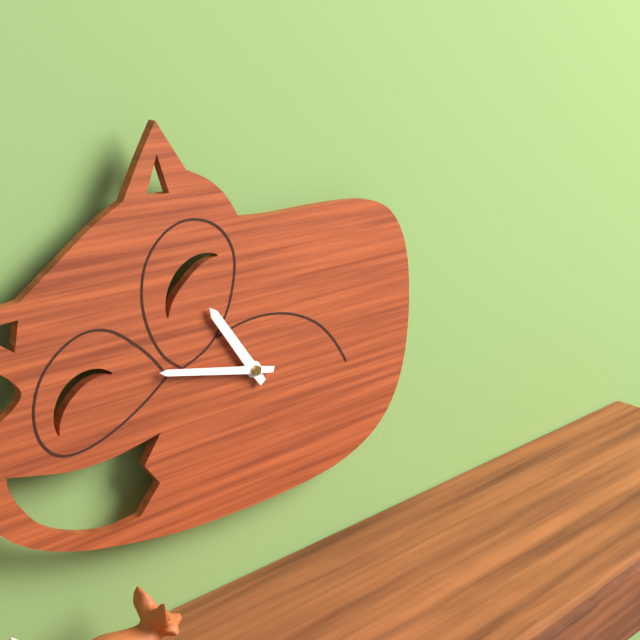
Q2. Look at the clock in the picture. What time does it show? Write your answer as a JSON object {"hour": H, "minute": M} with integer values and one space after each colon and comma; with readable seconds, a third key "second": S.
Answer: {"hour": 10, "minute": 47}
